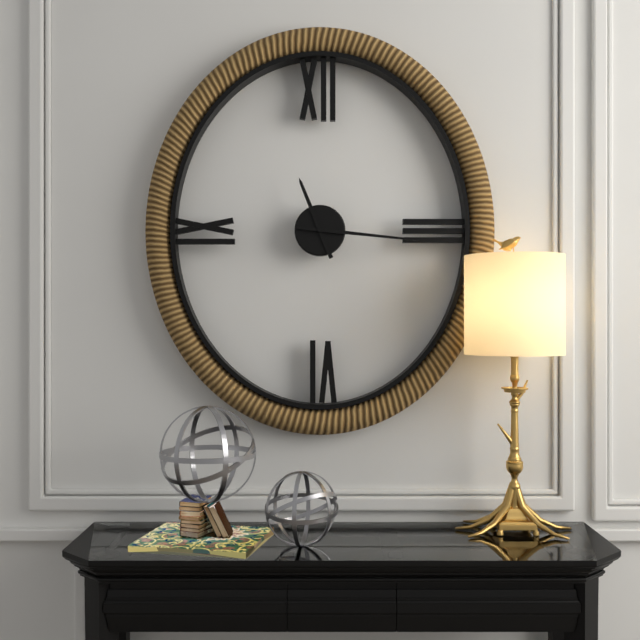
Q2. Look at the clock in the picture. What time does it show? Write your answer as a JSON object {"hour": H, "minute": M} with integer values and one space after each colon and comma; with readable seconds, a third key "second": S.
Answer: {"hour": 11, "minute": 16}
